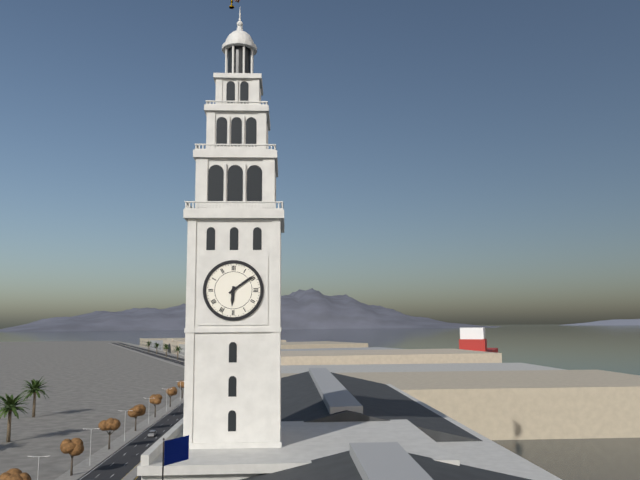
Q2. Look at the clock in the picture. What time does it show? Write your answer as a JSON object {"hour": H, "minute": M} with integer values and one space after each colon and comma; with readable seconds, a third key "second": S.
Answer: {"hour": 6, "minute": 9}
